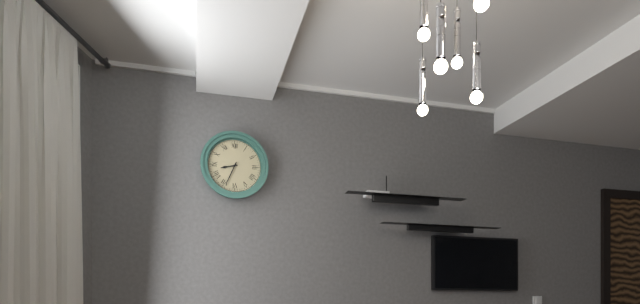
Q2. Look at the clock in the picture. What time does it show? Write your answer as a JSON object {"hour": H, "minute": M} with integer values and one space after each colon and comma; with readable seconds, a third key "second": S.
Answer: {"hour": 8, "minute": 34}
